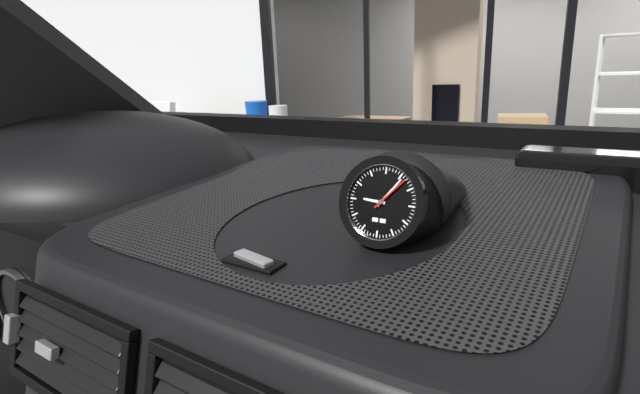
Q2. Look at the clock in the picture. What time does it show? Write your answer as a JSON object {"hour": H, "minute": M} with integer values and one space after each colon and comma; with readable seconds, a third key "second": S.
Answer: {"hour": 9, "minute": 6}
